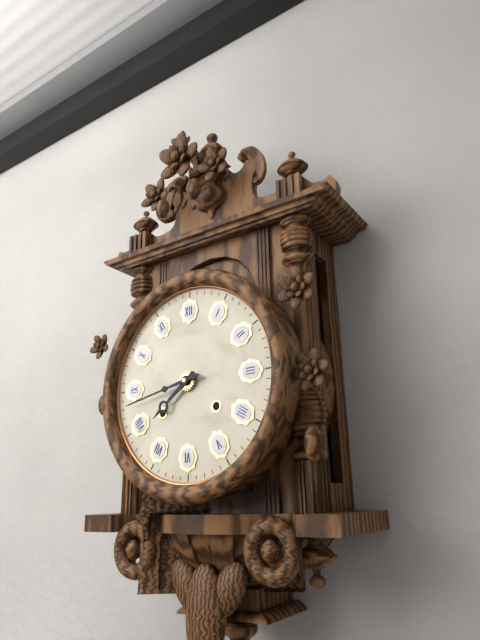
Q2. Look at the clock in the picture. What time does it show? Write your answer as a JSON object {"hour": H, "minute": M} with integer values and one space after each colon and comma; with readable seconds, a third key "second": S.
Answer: {"hour": 7, "minute": 43}
